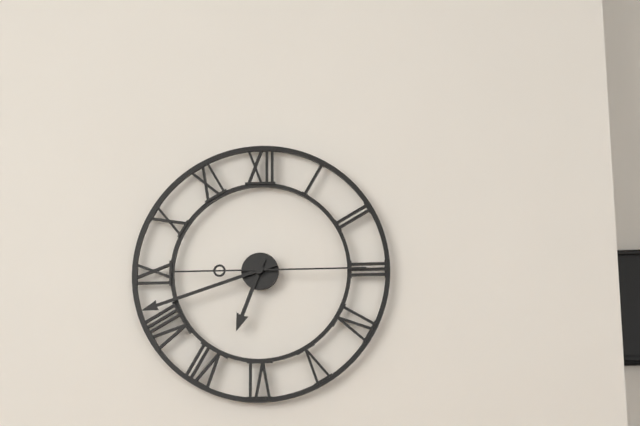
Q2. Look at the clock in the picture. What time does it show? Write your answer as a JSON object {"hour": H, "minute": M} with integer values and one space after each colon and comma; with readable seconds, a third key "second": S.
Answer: {"hour": 6, "minute": 42, "second": 15}
